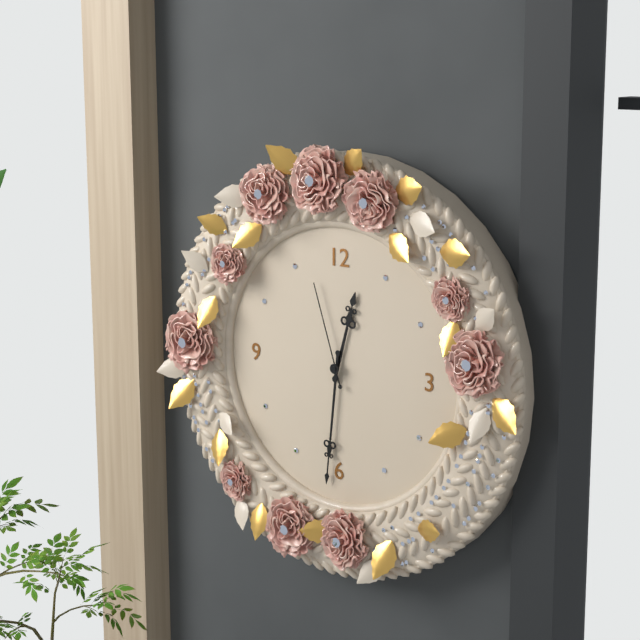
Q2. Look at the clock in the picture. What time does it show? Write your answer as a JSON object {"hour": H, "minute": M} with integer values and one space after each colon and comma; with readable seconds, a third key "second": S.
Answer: {"hour": 12, "minute": 31, "second": 57}
